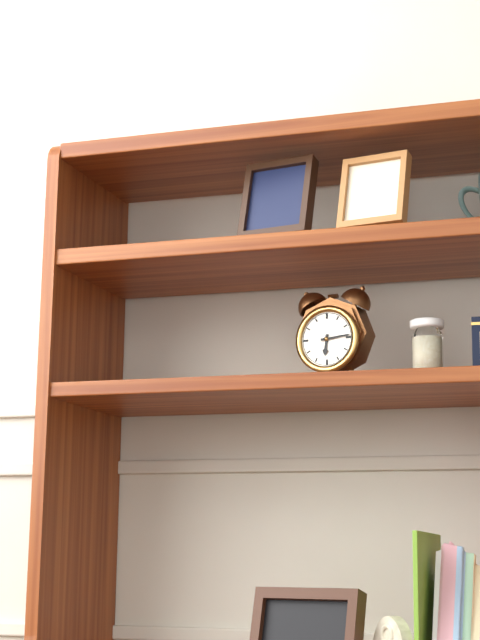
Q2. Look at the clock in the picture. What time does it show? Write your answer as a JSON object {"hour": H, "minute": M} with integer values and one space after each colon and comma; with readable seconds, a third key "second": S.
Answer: {"hour": 6, "minute": 14}
